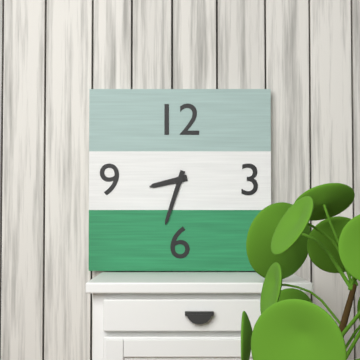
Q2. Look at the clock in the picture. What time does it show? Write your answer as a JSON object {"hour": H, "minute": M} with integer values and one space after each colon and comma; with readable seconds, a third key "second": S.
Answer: {"hour": 8, "minute": 33}
